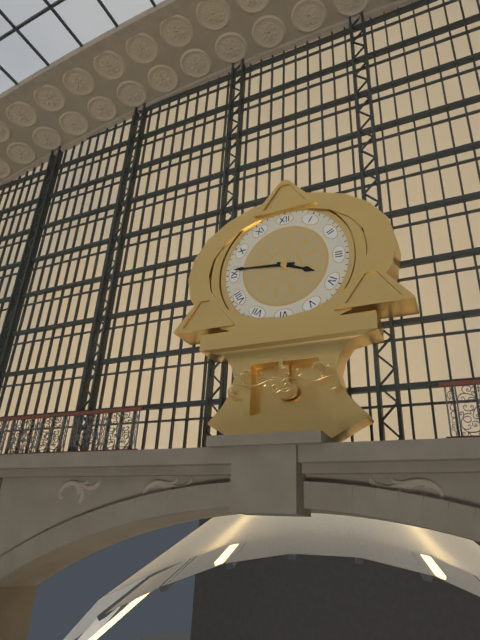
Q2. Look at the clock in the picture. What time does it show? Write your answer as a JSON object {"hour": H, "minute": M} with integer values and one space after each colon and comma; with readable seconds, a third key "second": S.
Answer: {"hour": 3, "minute": 46}
